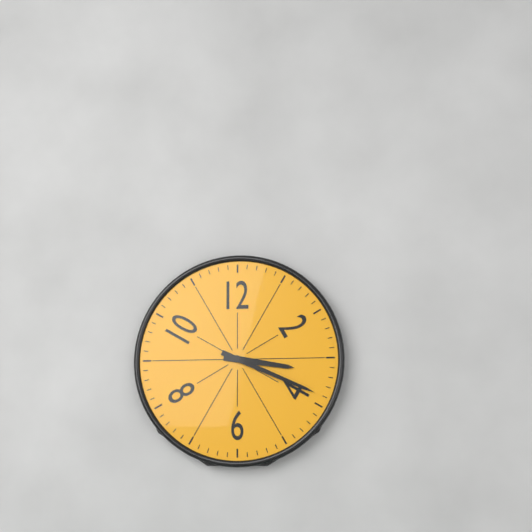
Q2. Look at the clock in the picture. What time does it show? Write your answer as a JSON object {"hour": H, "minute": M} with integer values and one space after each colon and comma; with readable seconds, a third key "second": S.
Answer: {"hour": 3, "minute": 19}
